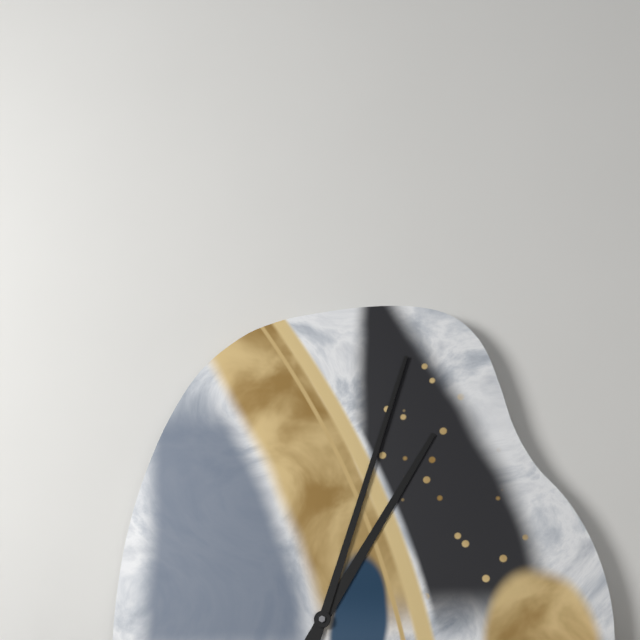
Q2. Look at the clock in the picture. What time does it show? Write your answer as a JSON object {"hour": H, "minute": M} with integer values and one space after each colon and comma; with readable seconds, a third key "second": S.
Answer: {"hour": 1, "minute": 3}
